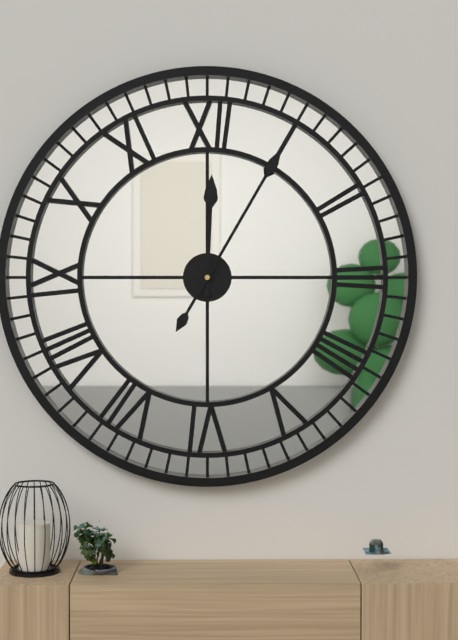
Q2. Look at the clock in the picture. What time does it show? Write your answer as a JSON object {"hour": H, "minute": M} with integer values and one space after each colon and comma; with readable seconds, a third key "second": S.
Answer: {"hour": 12, "minute": 5}
